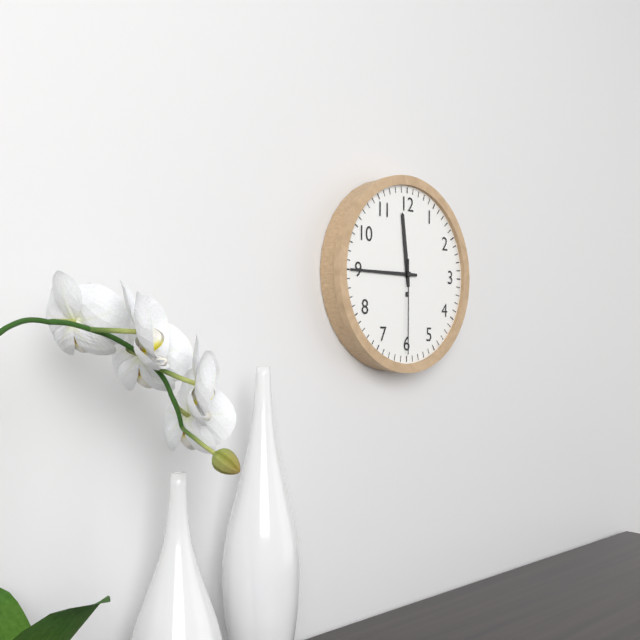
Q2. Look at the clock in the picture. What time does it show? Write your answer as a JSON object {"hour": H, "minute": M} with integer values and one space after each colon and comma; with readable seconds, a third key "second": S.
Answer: {"hour": 11, "minute": 45, "second": 30}
